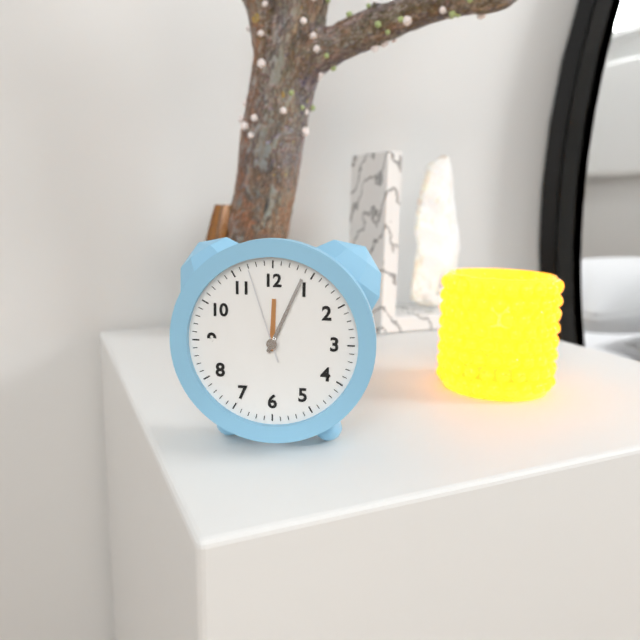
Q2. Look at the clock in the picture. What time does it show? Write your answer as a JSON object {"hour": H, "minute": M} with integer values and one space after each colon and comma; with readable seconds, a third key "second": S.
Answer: {"hour": 12, "minute": 4, "second": 57}
